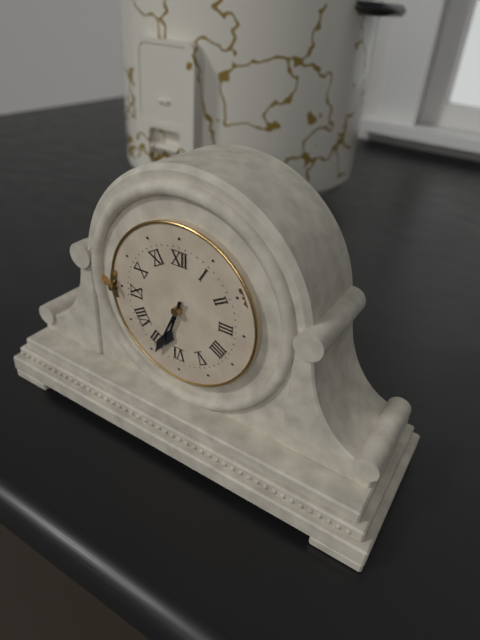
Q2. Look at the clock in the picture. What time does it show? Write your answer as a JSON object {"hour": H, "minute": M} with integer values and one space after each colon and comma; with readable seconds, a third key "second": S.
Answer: {"hour": 6, "minute": 34}
